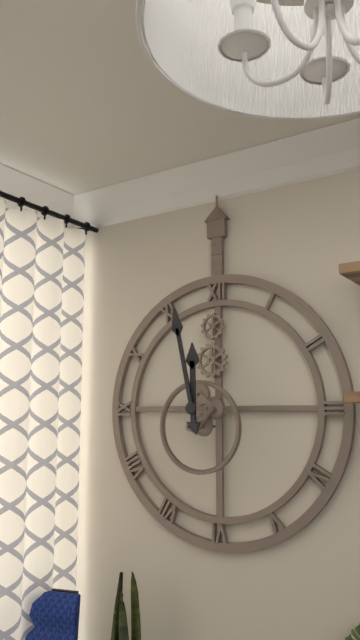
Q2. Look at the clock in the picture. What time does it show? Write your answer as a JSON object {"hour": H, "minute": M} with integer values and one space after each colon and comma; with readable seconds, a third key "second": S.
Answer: {"hour": 11, "minute": 58}
